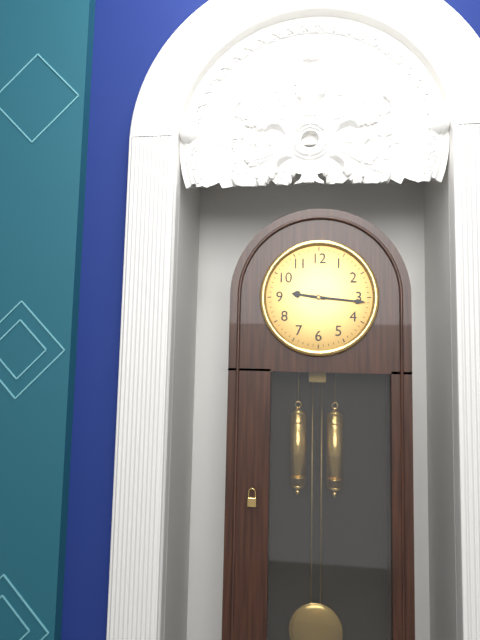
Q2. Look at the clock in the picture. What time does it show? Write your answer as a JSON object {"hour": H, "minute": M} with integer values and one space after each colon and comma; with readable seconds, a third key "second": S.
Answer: {"hour": 9, "minute": 16}
